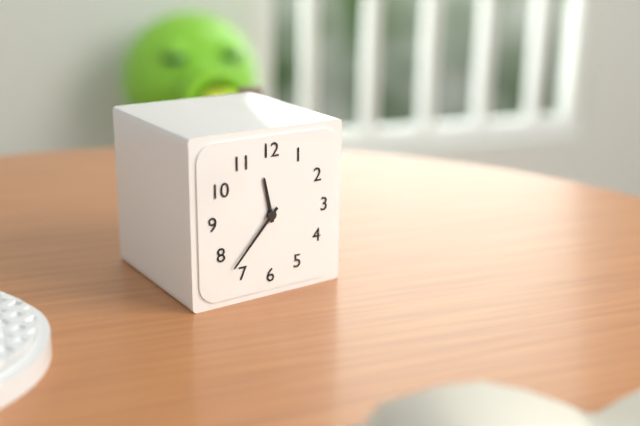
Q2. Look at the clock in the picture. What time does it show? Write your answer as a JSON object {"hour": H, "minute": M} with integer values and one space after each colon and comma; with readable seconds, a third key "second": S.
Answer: {"hour": 11, "minute": 37}
